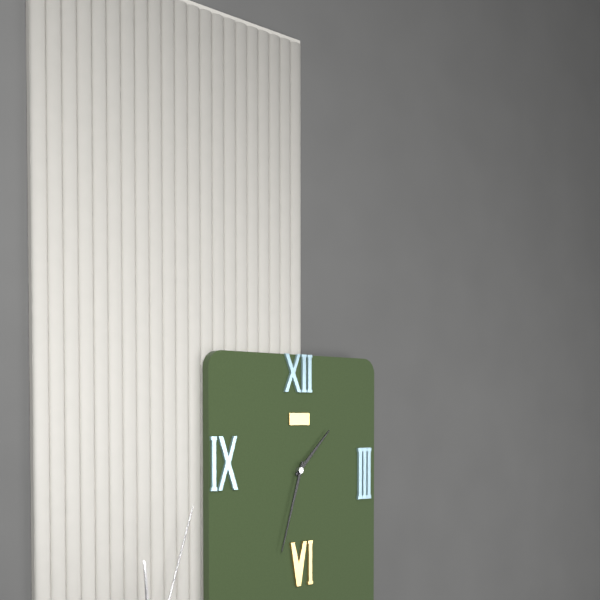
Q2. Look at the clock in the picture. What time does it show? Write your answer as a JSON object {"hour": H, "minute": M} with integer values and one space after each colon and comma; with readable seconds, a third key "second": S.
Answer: {"hour": 1, "minute": 33}
